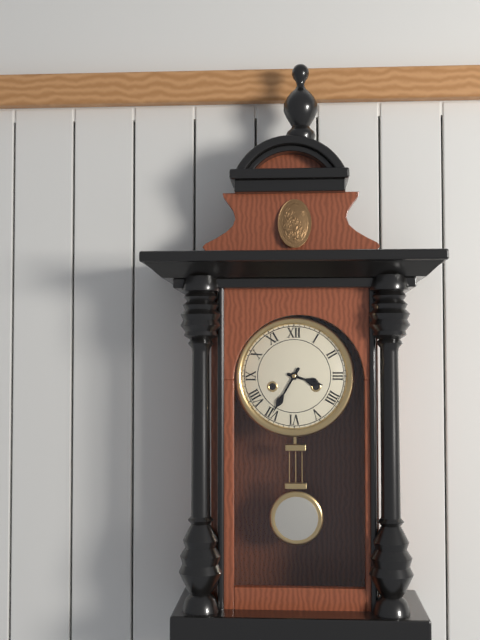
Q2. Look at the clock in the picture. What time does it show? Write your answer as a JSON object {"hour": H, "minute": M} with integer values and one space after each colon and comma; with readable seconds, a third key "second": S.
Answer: {"hour": 3, "minute": 35}
